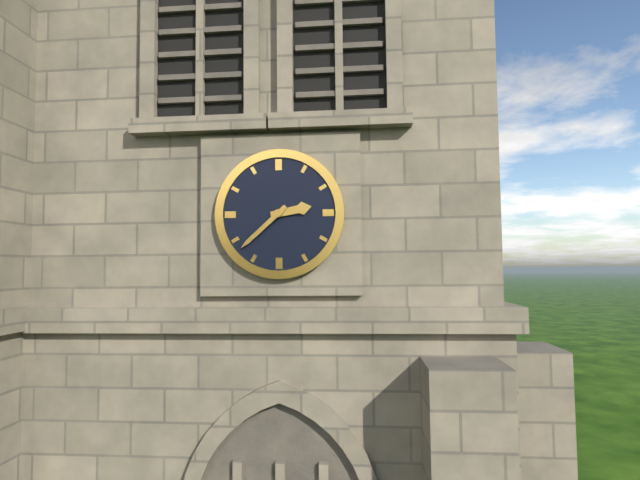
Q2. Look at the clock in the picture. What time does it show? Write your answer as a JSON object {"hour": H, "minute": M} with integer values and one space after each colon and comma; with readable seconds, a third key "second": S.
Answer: {"hour": 2, "minute": 38}
